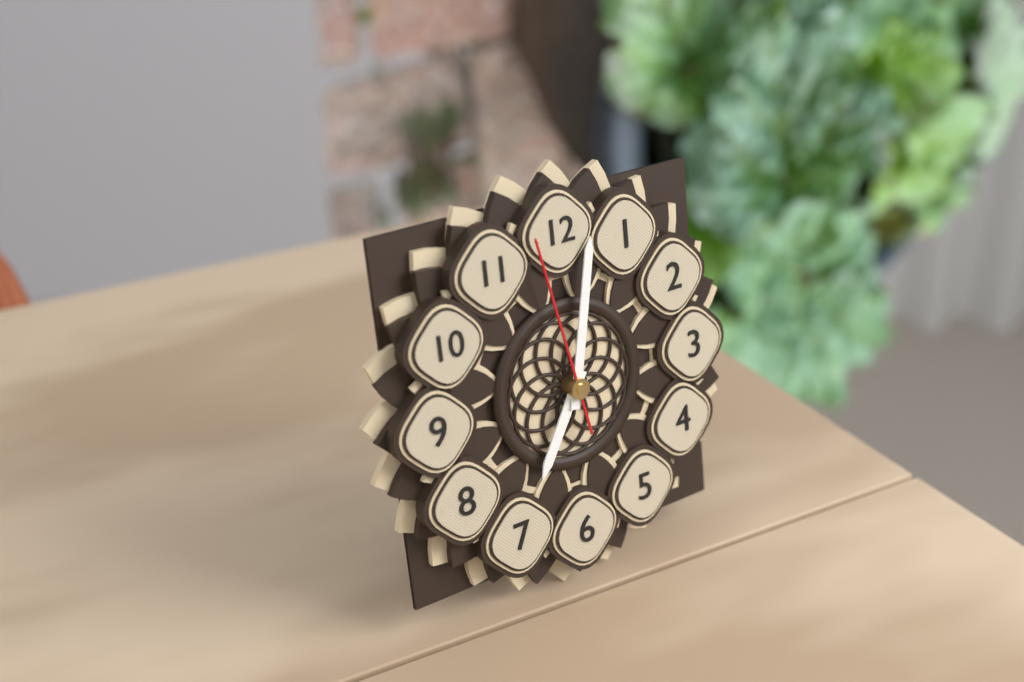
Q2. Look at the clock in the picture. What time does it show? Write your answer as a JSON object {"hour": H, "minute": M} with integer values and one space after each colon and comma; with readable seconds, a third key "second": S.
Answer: {"hour": 7, "minute": 2, "second": 58}
